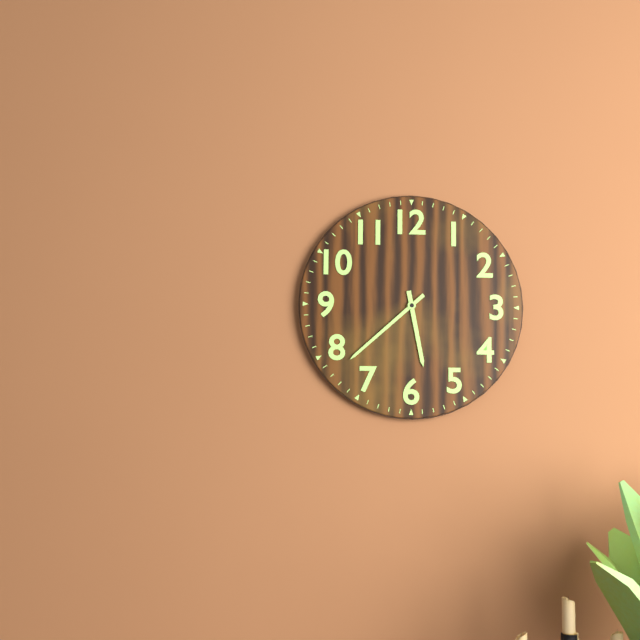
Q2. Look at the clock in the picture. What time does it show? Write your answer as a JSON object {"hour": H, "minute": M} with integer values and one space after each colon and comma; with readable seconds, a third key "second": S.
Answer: {"hour": 5, "minute": 38}
